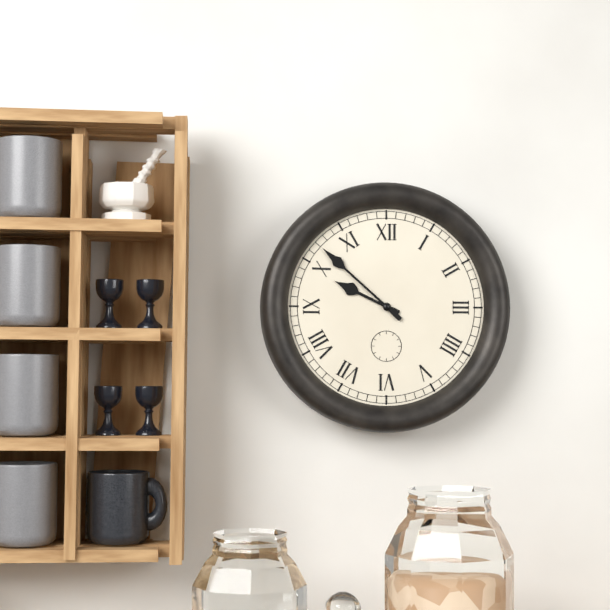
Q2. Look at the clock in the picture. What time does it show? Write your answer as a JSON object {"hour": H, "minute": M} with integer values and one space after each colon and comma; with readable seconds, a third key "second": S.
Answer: {"hour": 9, "minute": 52}
